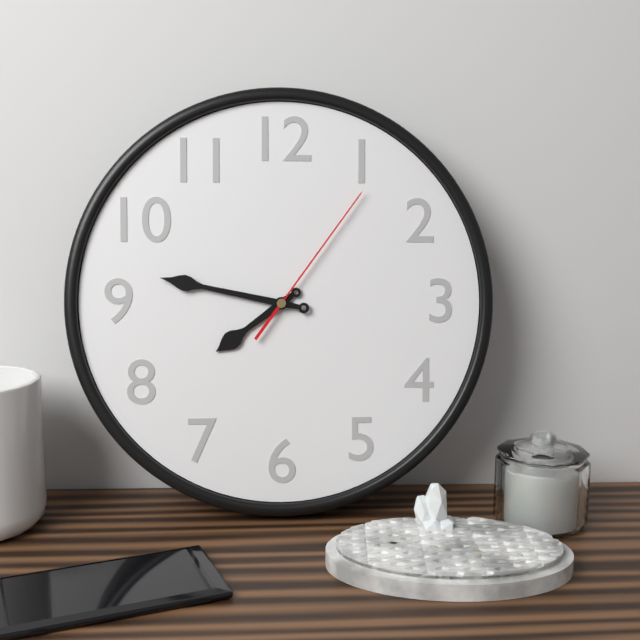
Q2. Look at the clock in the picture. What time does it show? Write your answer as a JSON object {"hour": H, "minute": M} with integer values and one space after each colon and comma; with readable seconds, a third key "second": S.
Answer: {"hour": 7, "minute": 47, "second": 6}
